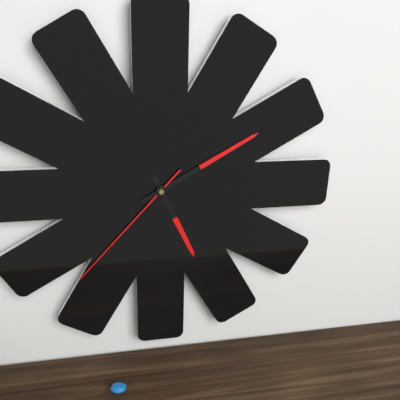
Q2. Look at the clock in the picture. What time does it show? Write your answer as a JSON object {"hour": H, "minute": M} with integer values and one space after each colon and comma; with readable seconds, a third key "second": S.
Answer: {"hour": 5, "minute": 10, "second": 37}
